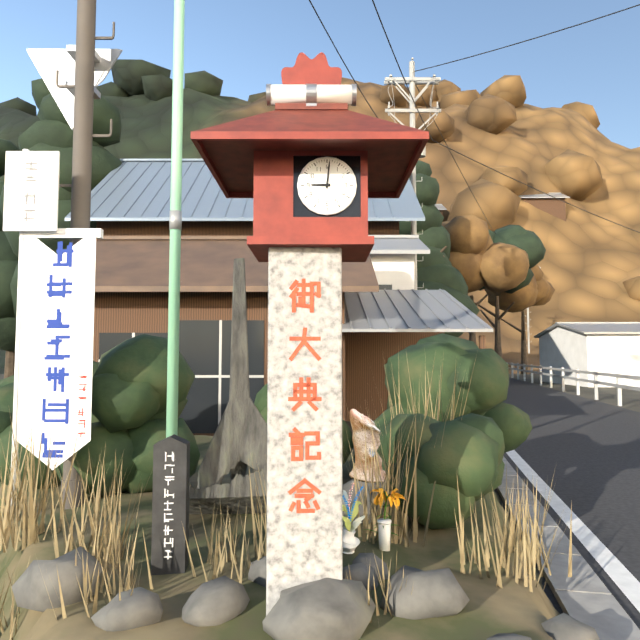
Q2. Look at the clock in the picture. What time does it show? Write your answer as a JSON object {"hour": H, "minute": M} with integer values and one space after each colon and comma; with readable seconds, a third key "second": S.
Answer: {"hour": 9, "minute": 1}
